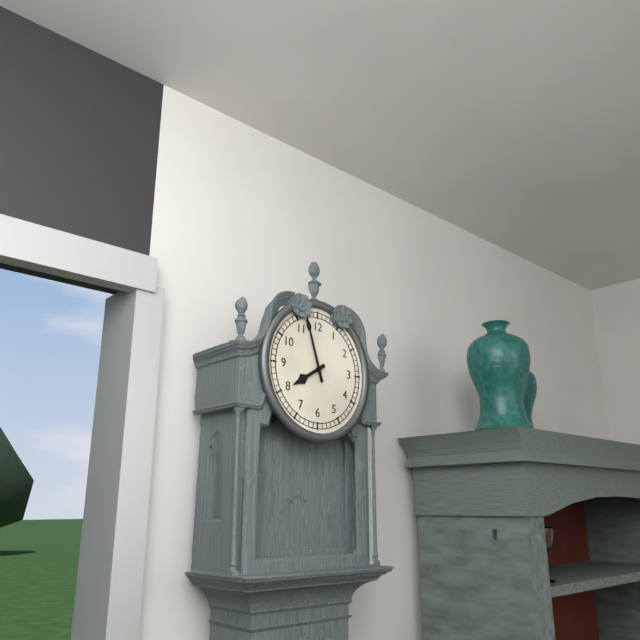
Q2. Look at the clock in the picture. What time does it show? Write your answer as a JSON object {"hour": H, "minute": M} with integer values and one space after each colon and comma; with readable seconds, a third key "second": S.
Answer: {"hour": 7, "minute": 57}
